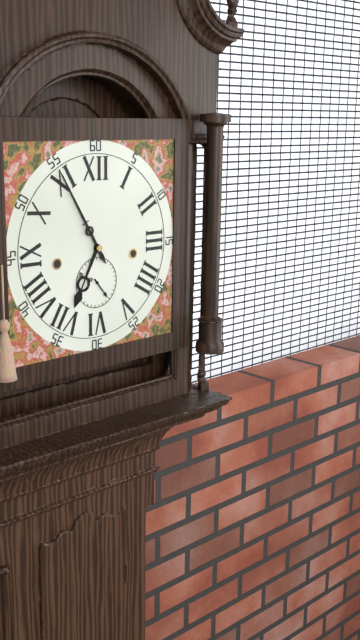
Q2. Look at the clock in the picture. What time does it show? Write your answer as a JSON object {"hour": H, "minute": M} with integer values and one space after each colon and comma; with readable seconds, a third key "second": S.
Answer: {"hour": 6, "minute": 55}
